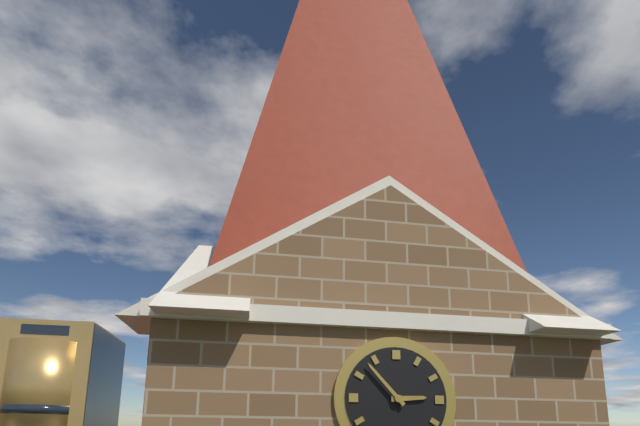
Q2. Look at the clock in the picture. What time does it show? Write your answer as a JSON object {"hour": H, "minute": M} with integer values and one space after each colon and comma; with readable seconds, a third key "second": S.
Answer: {"hour": 2, "minute": 53}
